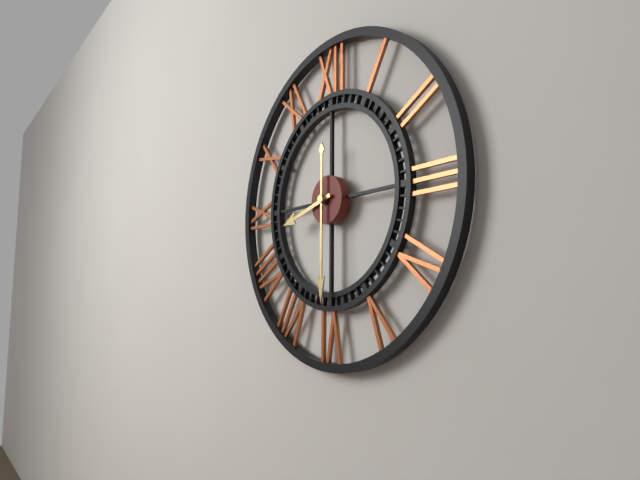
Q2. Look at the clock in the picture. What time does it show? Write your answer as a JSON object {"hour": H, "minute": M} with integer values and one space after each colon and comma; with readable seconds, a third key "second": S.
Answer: {"hour": 8, "minute": 30}
